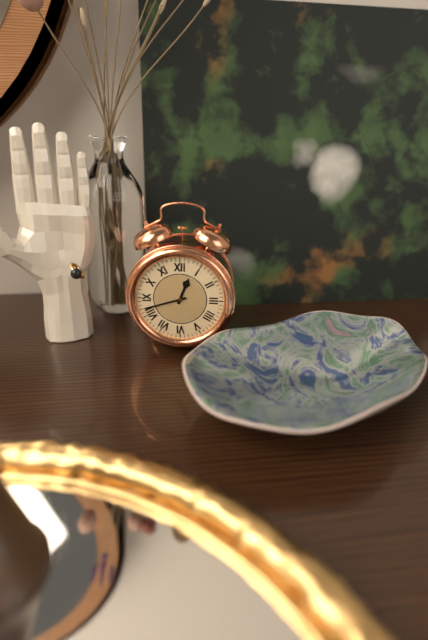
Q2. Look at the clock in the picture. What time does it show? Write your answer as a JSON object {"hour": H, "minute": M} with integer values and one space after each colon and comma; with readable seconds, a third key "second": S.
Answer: {"hour": 12, "minute": 42}
